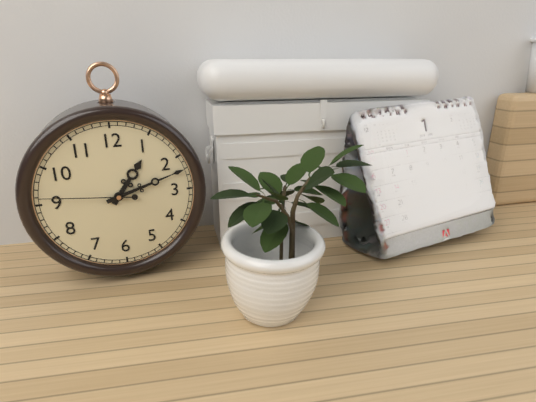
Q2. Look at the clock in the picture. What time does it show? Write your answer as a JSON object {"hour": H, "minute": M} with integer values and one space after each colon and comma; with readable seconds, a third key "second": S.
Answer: {"hour": 1, "minute": 12, "second": 46}
